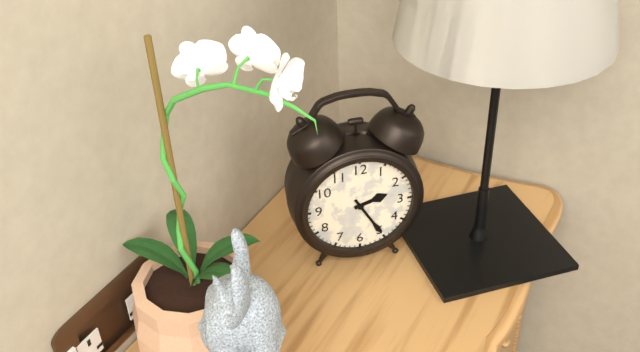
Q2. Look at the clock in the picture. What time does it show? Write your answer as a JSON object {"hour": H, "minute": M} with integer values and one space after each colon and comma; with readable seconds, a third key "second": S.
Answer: {"hour": 2, "minute": 25}
